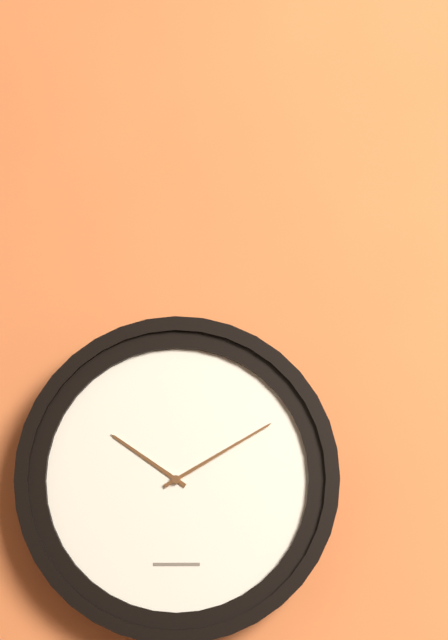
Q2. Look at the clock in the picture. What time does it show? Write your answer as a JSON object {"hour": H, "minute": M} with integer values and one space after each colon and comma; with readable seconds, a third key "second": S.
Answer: {"hour": 10, "minute": 10}
